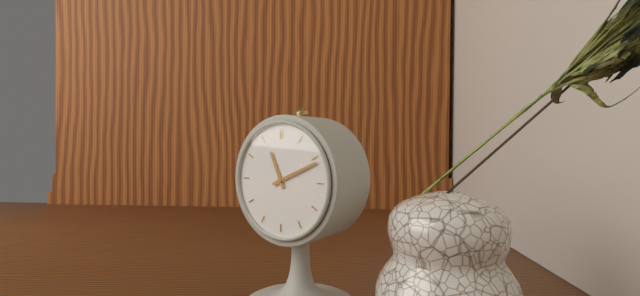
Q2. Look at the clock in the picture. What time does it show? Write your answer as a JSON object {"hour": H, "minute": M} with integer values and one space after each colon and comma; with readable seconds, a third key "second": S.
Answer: {"hour": 11, "minute": 11}
